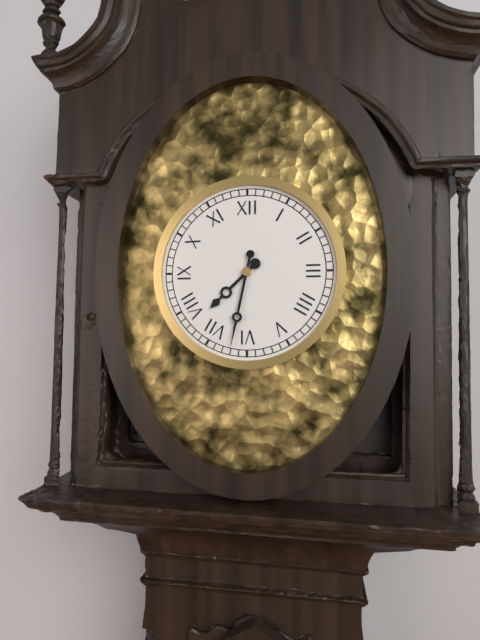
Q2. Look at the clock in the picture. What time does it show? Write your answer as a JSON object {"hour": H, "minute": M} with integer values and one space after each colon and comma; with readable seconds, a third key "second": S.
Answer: {"hour": 7, "minute": 32}
